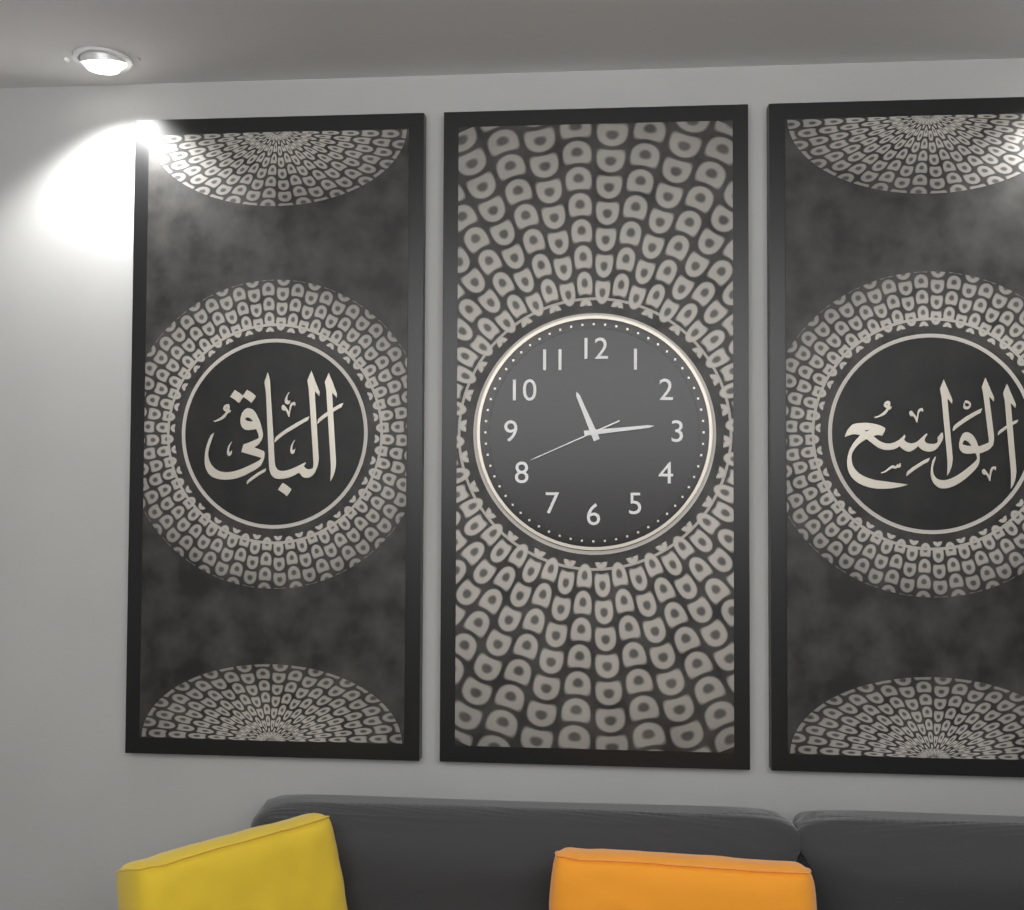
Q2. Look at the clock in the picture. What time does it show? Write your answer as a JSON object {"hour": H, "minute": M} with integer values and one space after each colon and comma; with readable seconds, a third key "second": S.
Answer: {"hour": 11, "minute": 14, "second": 41}
